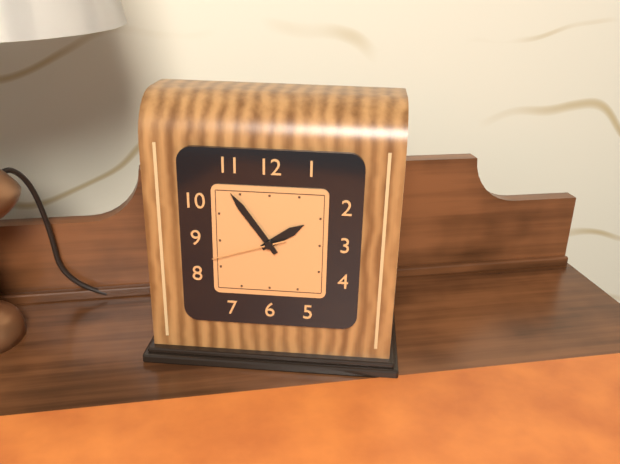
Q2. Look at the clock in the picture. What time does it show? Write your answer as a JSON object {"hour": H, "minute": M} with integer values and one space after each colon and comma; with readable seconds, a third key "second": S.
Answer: {"hour": 1, "minute": 54, "second": 42}
